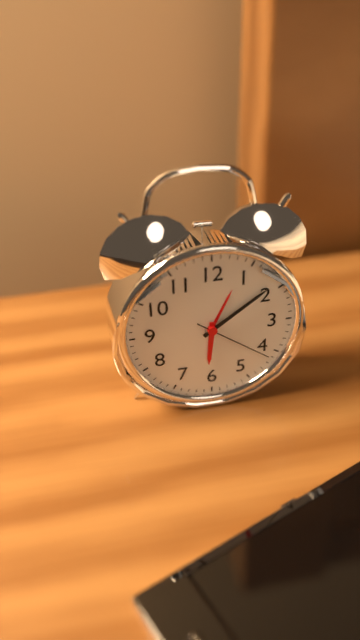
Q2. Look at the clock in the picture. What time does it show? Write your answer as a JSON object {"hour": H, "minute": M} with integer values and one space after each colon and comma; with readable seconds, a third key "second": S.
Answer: {"hour": 6, "minute": 9, "second": 21}
